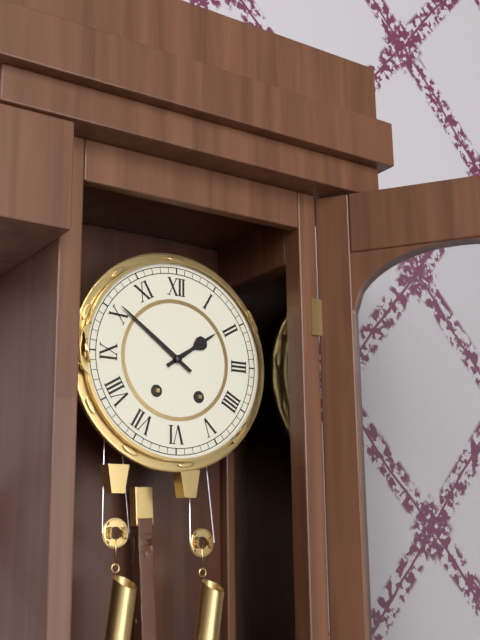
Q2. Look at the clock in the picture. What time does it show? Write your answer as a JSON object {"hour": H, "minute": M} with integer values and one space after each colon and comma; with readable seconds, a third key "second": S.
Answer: {"hour": 1, "minute": 51}
